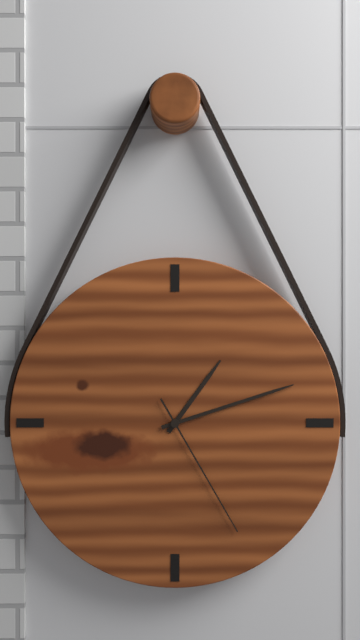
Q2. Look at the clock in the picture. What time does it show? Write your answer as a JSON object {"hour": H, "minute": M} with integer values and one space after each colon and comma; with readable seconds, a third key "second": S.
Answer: {"hour": 1, "minute": 12, "second": 25}
